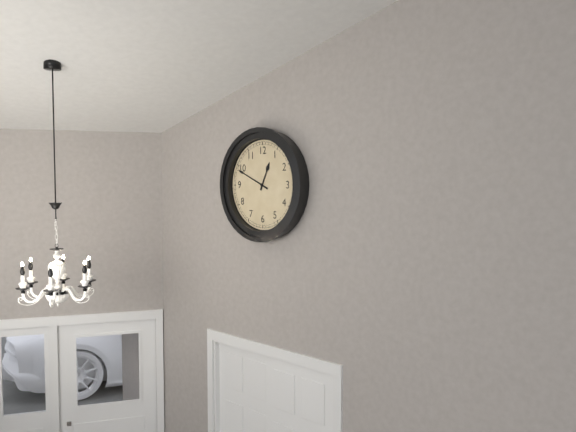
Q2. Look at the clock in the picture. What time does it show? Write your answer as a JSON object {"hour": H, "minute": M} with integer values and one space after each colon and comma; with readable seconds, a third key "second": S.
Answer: {"hour": 12, "minute": 49}
